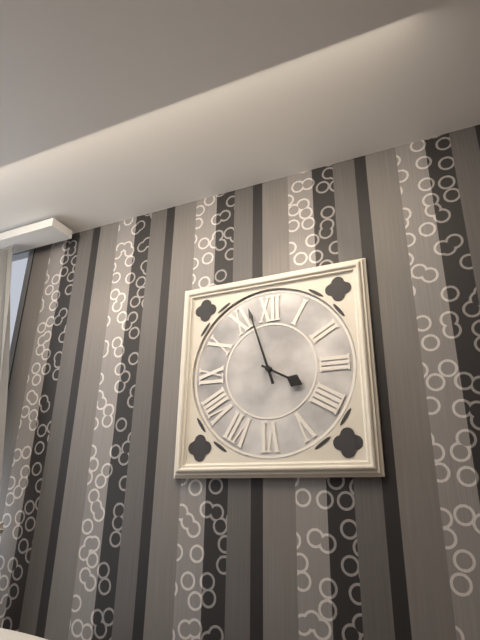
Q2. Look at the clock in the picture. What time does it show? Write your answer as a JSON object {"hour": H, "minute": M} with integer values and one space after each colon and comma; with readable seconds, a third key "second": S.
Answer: {"hour": 3, "minute": 57}
